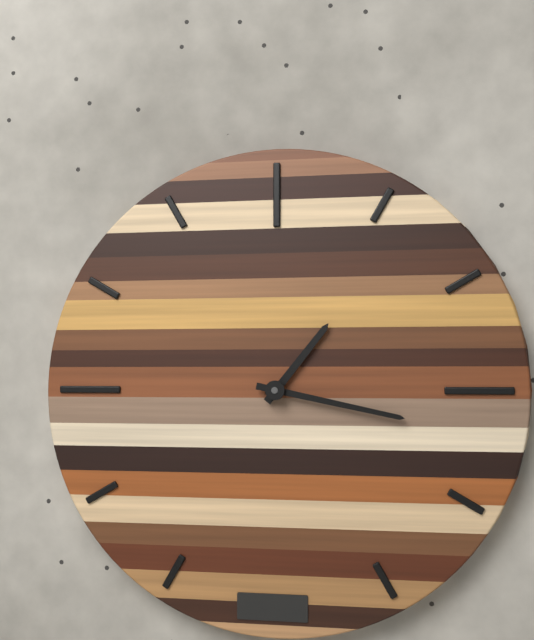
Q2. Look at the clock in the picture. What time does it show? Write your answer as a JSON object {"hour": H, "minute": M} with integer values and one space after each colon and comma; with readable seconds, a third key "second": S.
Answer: {"hour": 1, "minute": 17}
